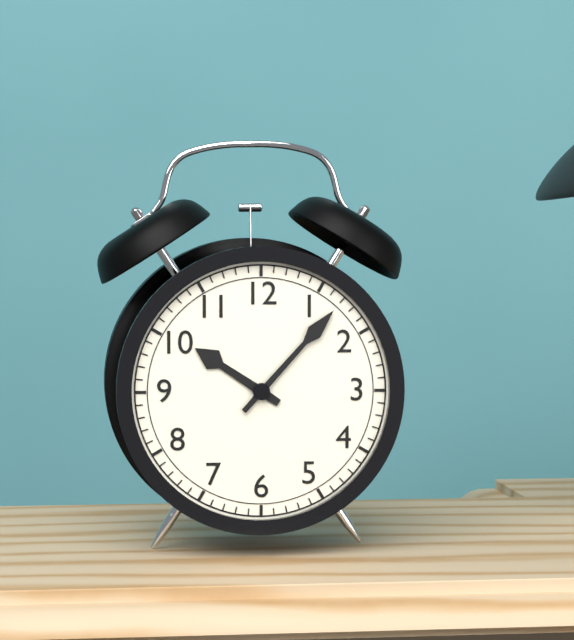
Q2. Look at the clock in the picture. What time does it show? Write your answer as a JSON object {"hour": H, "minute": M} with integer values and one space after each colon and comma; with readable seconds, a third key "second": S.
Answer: {"hour": 10, "minute": 7}
